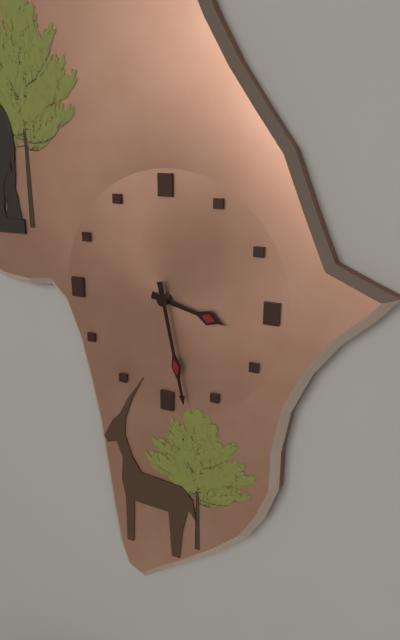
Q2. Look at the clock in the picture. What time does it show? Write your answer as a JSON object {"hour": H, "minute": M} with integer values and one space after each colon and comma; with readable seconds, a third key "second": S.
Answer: {"hour": 3, "minute": 28}
